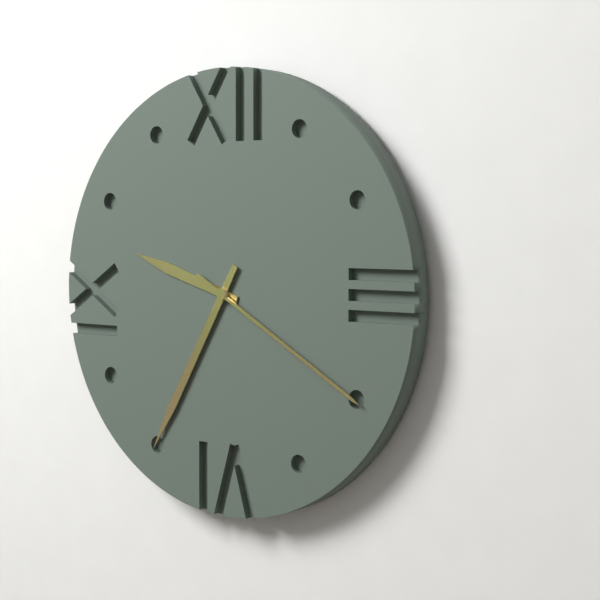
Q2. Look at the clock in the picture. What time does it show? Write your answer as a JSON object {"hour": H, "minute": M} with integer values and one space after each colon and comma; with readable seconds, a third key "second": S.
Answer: {"hour": 9, "minute": 35, "second": 20}
